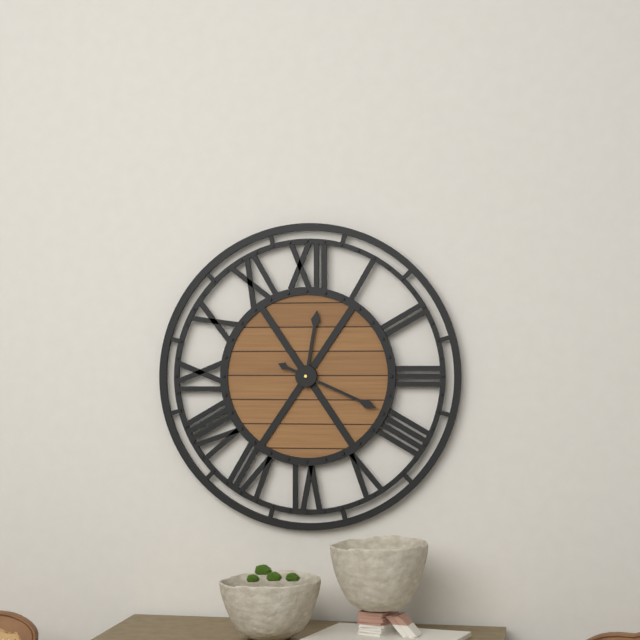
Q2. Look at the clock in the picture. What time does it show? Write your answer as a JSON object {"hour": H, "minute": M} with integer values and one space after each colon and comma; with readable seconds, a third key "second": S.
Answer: {"hour": 12, "minute": 19}
